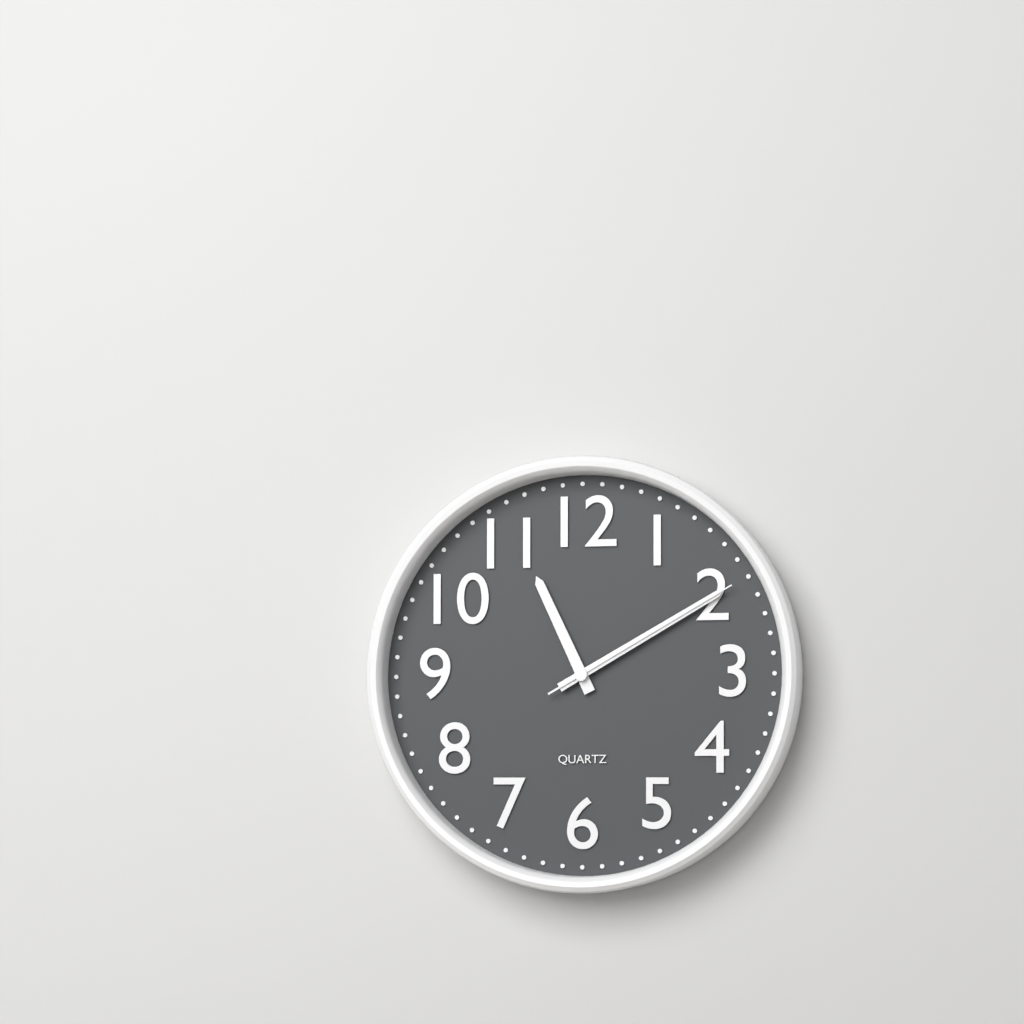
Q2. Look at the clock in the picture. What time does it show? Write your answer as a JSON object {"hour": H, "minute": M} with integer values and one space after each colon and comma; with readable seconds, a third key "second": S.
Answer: {"hour": 11, "minute": 10, "second": 10}
